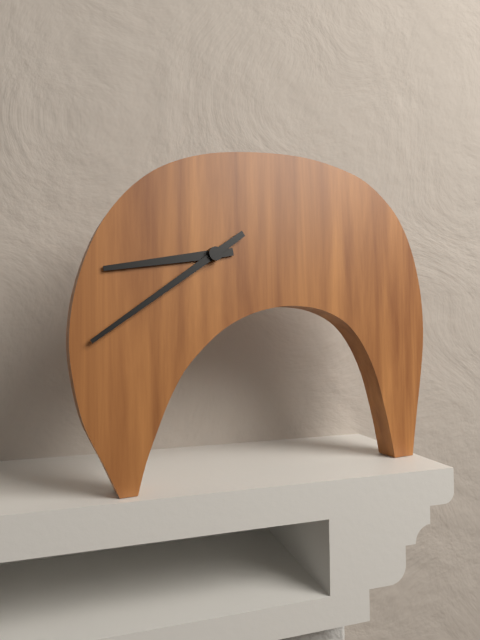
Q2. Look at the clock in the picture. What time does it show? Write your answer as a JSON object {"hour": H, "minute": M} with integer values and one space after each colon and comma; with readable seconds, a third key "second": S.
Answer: {"hour": 8, "minute": 39}
